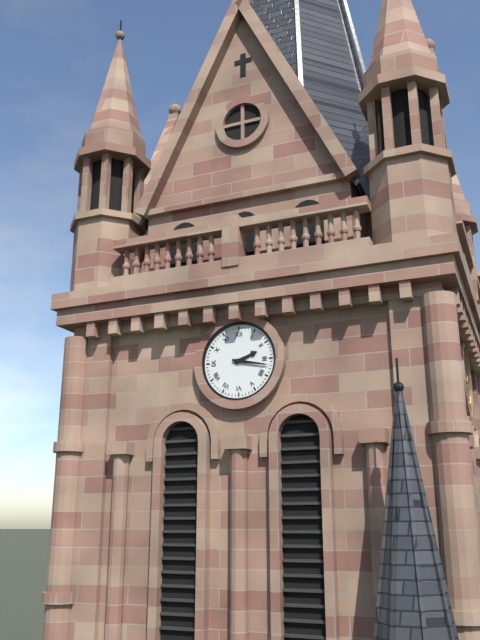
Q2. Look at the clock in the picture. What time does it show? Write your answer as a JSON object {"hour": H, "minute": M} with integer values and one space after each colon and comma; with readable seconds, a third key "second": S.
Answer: {"hour": 2, "minute": 17}
